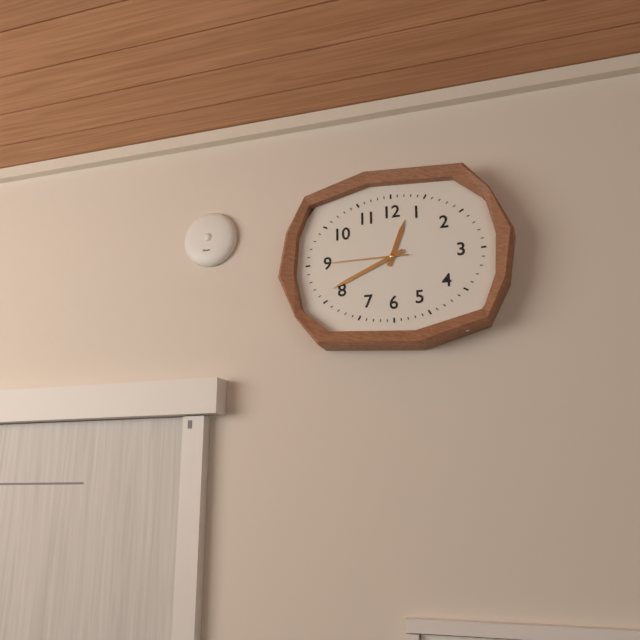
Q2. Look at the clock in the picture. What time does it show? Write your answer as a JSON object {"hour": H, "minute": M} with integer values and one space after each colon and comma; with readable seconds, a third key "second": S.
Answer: {"hour": 12, "minute": 41, "second": 45}
